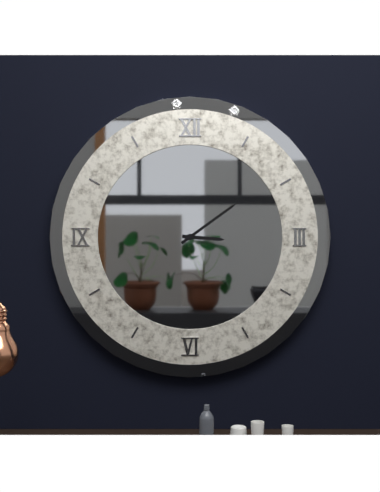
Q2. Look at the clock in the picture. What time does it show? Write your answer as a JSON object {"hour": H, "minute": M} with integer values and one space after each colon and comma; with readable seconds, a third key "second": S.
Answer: {"hour": 3, "minute": 9}
